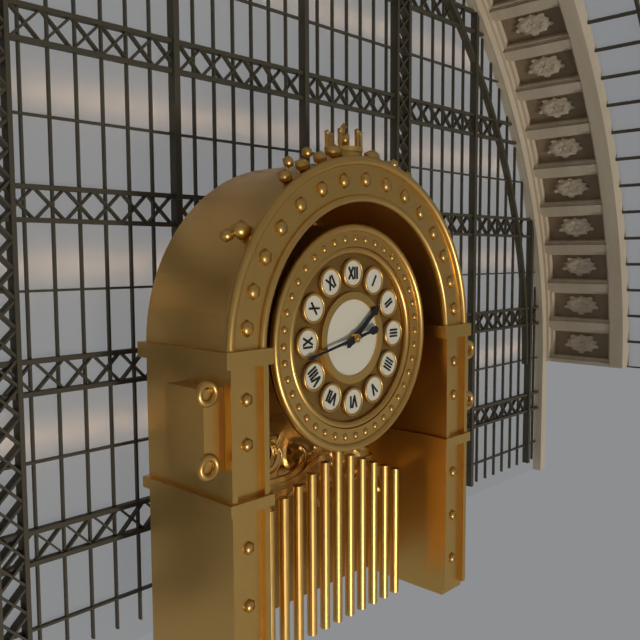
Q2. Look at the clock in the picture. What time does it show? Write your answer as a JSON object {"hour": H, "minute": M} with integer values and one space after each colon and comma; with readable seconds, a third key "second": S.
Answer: {"hour": 1, "minute": 43}
